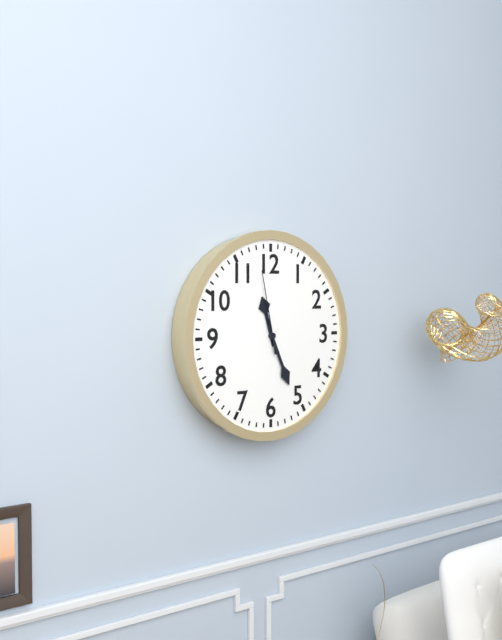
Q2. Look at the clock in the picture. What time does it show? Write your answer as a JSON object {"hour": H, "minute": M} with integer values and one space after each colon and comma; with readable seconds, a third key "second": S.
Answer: {"hour": 11, "minute": 26, "second": 58}
